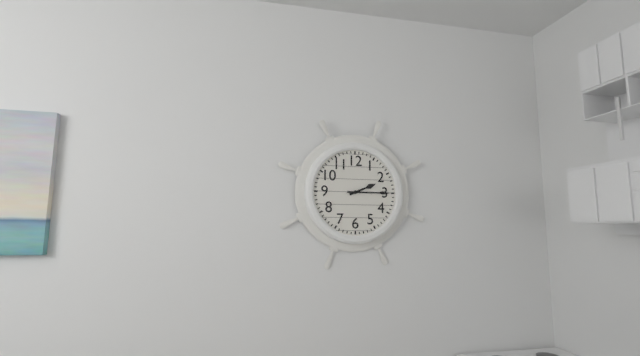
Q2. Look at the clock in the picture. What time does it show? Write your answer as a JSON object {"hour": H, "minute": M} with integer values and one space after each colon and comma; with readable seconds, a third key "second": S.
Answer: {"hour": 2, "minute": 15}
